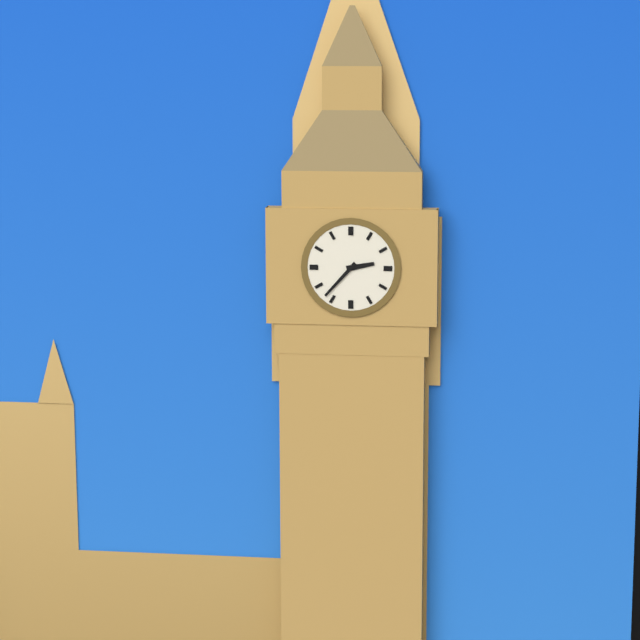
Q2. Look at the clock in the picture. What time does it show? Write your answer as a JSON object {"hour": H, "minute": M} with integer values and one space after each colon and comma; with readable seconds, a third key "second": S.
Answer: {"hour": 2, "minute": 37}
